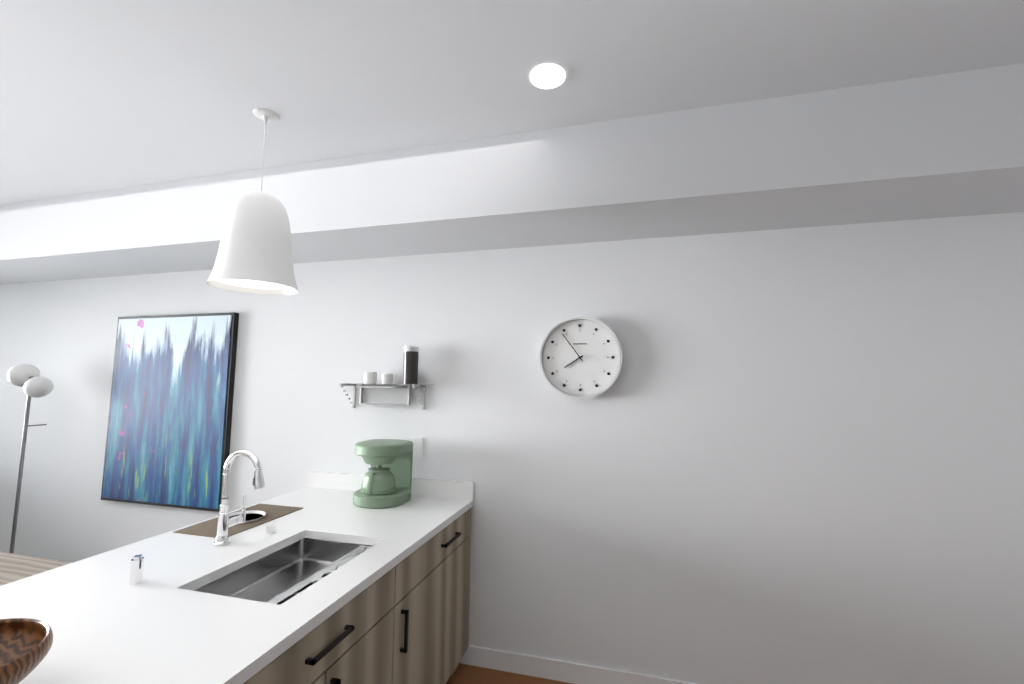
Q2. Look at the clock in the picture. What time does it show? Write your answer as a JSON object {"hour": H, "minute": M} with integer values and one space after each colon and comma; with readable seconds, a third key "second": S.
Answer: {"hour": 7, "minute": 54}
